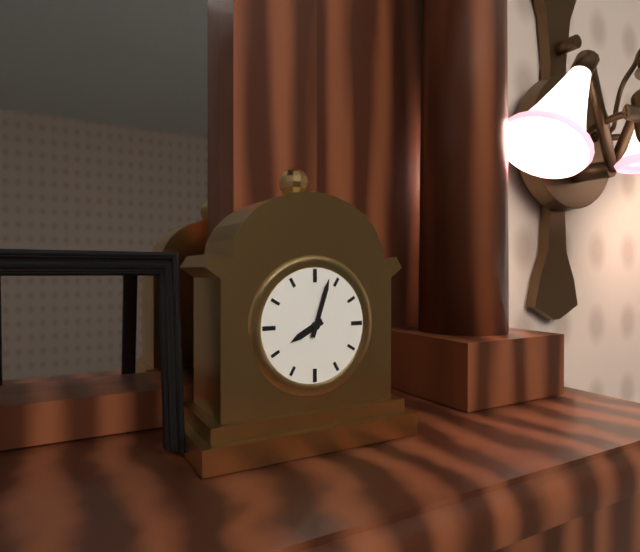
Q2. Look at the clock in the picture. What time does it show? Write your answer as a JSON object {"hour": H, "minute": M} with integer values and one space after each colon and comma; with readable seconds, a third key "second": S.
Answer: {"hour": 8, "minute": 3}
